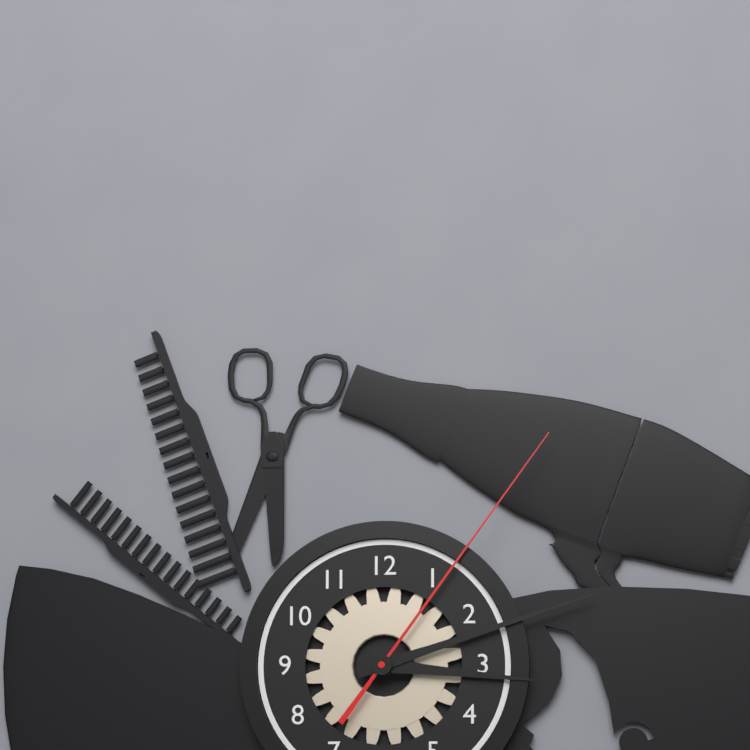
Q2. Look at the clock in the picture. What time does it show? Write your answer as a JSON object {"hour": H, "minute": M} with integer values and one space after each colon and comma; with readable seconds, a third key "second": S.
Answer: {"hour": 3, "minute": 12, "second": 6}
